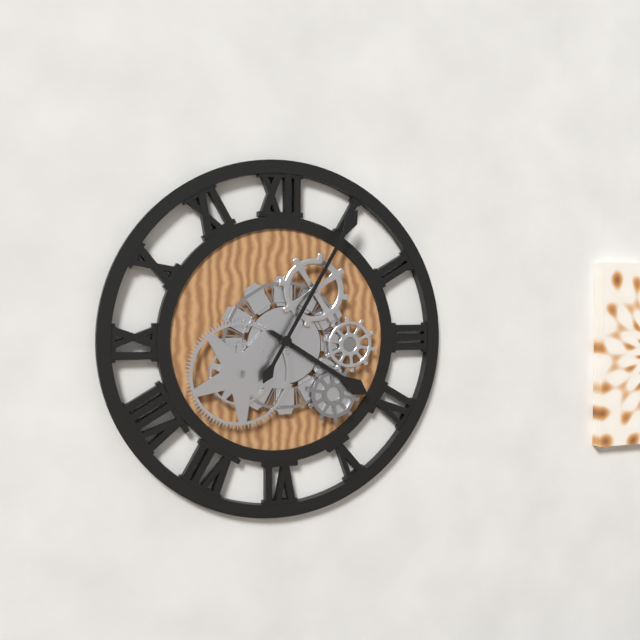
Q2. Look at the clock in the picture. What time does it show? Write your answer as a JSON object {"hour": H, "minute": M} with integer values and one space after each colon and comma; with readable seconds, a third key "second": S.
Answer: {"hour": 4, "minute": 5}
